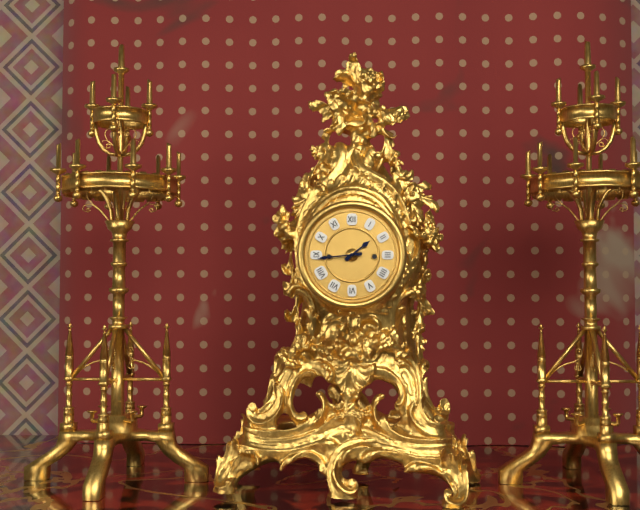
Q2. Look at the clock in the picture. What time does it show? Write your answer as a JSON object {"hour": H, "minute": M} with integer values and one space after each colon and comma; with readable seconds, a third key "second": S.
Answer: {"hour": 1, "minute": 44}
